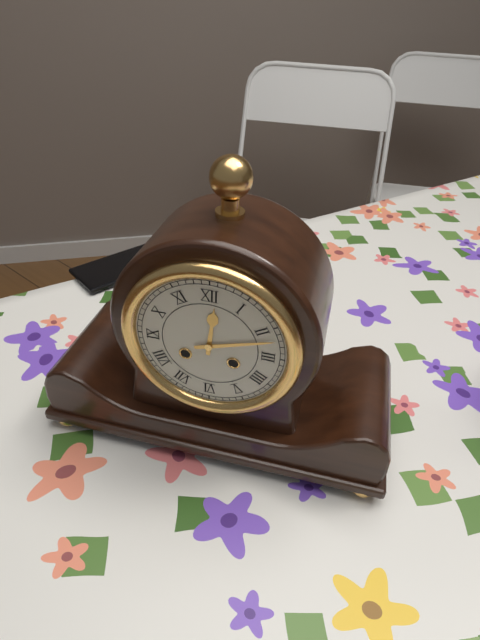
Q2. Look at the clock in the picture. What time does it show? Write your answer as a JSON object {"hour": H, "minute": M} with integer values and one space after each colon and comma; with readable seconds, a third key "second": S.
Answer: {"hour": 12, "minute": 12}
